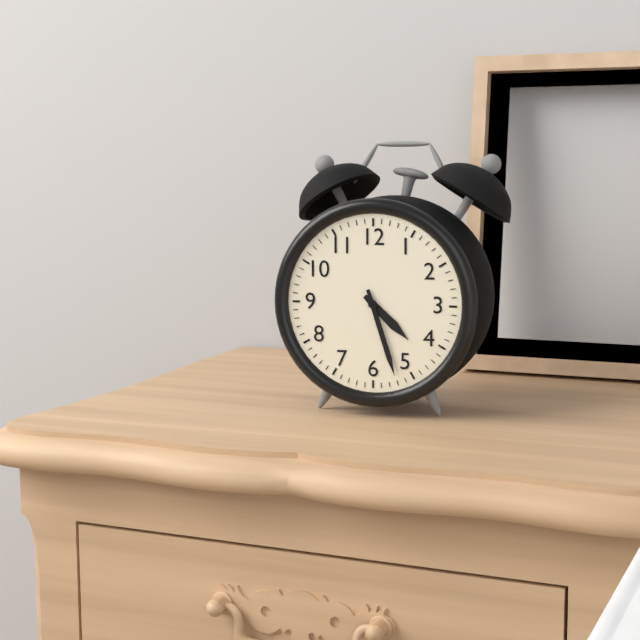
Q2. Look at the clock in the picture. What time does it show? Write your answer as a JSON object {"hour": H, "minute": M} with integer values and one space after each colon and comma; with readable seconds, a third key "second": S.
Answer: {"hour": 4, "minute": 27}
